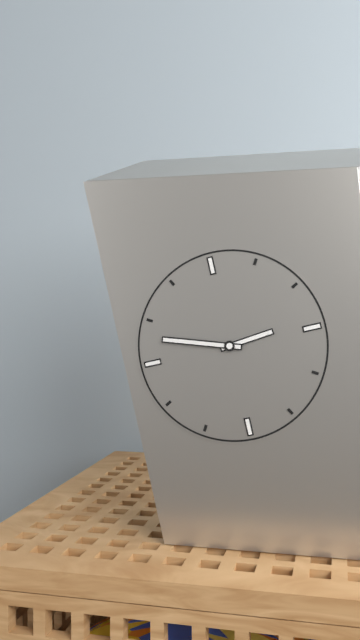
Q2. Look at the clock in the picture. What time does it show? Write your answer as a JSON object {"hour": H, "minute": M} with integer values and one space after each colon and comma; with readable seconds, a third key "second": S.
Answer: {"hour": 2, "minute": 48}
